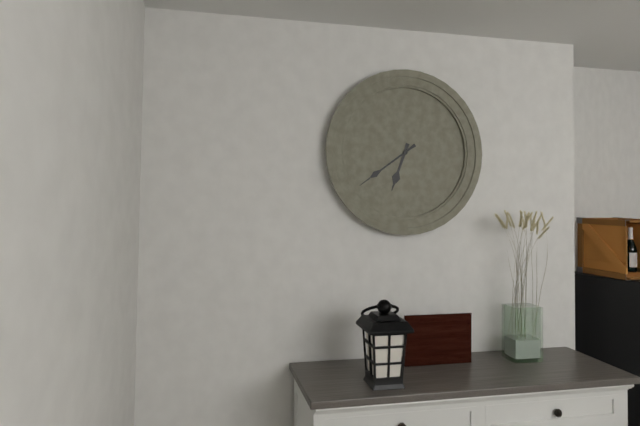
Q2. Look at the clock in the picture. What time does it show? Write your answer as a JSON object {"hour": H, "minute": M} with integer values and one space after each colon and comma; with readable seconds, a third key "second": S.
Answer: {"hour": 6, "minute": 39}
